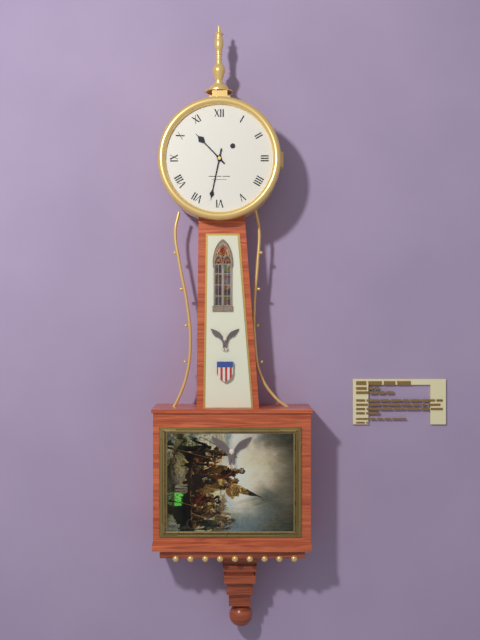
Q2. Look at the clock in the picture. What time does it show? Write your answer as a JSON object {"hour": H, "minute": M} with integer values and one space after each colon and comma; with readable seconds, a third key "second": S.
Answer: {"hour": 10, "minute": 32}
